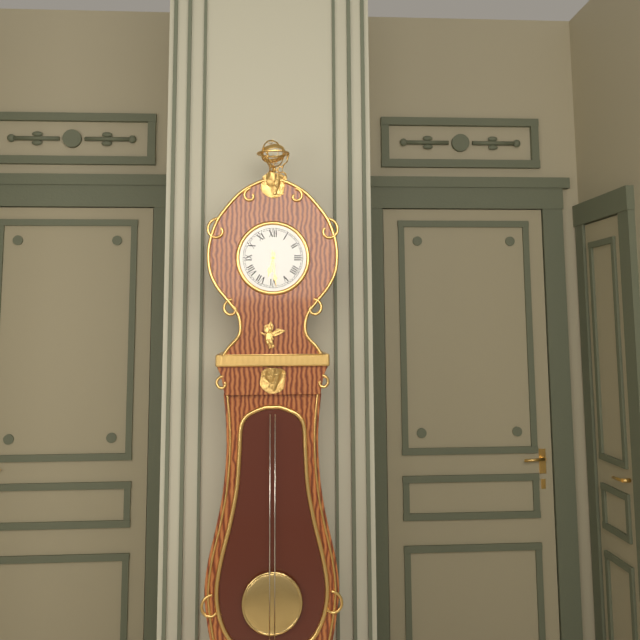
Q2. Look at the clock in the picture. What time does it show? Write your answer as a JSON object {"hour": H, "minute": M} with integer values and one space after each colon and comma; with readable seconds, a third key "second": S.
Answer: {"hour": 6, "minute": 29}
